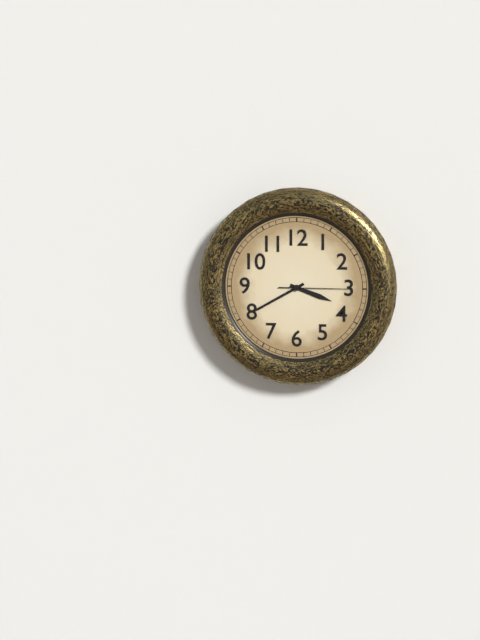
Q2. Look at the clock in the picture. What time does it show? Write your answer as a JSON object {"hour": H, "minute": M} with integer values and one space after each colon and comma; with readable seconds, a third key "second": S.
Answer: {"hour": 3, "minute": 40, "second": 15}
